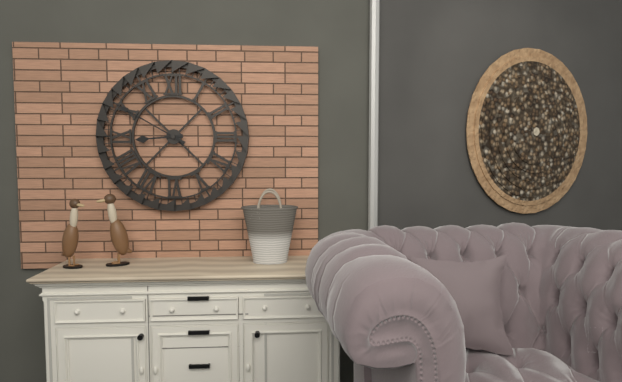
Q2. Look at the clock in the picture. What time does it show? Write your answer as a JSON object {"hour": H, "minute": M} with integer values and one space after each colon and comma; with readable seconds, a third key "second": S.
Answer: {"hour": 8, "minute": 50}
